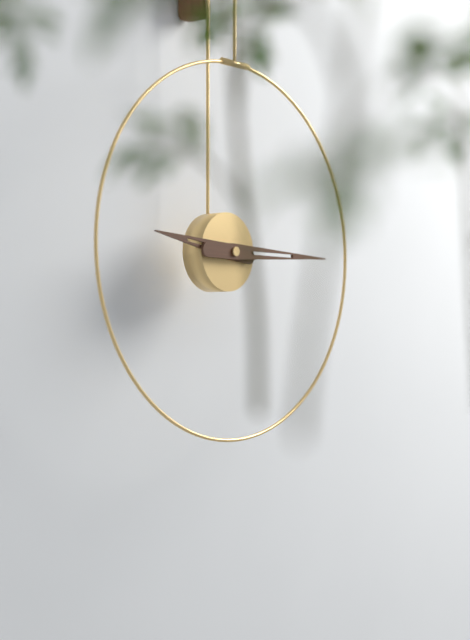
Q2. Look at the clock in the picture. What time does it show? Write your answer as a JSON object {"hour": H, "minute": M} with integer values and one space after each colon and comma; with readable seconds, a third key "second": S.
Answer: {"hour": 9, "minute": 15}
